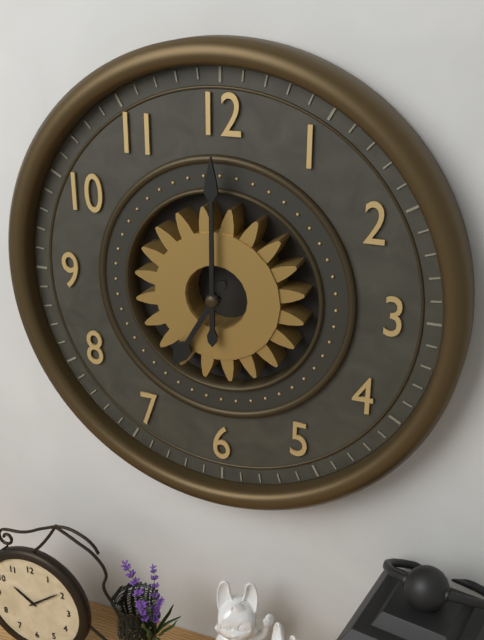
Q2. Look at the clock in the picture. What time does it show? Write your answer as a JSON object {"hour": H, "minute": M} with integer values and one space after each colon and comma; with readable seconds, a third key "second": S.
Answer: {"hour": 7, "minute": 0}
